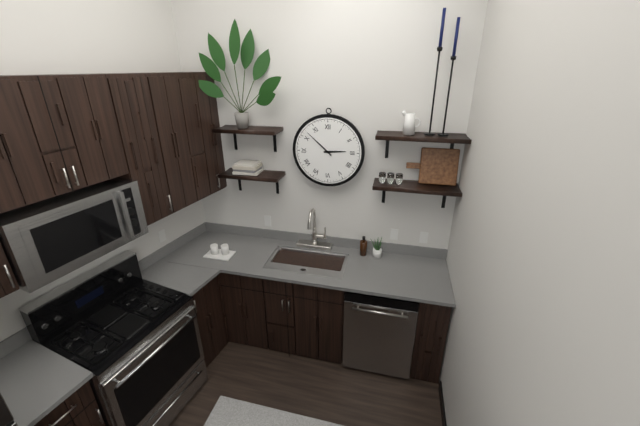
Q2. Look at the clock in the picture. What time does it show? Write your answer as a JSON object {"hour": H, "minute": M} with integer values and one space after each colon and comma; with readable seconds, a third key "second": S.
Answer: {"hour": 2, "minute": 52}
